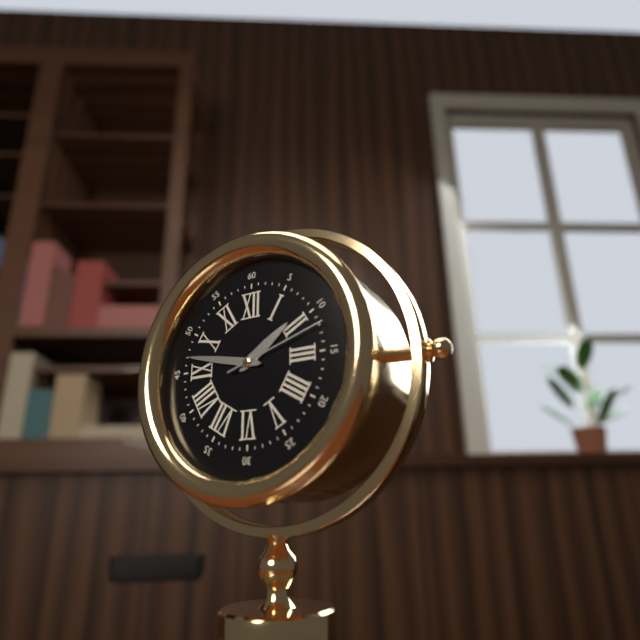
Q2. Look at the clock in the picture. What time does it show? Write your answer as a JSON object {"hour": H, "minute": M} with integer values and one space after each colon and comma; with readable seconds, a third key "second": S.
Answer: {"hour": 1, "minute": 47, "second": 12}
